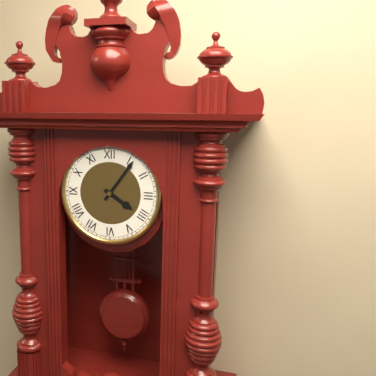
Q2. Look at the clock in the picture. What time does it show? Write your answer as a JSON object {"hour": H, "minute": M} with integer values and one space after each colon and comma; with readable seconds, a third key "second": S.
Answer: {"hour": 4, "minute": 6}
